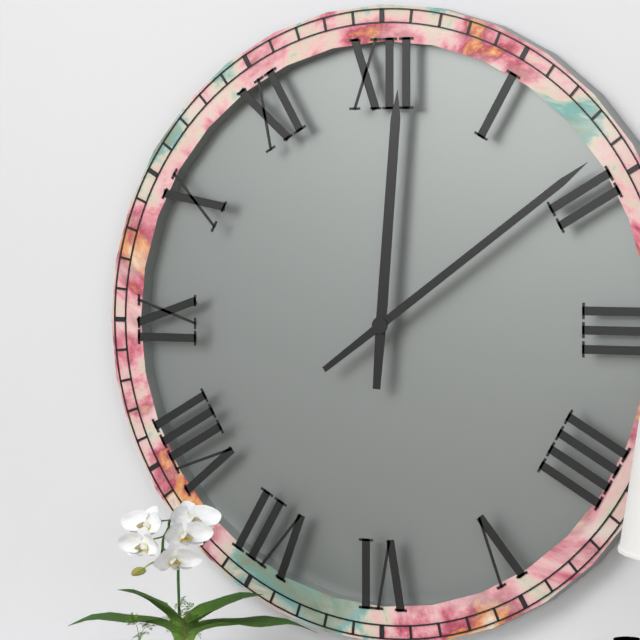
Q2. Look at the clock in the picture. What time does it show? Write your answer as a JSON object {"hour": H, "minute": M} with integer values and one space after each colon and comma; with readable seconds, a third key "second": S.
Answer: {"hour": 12, "minute": 9}
